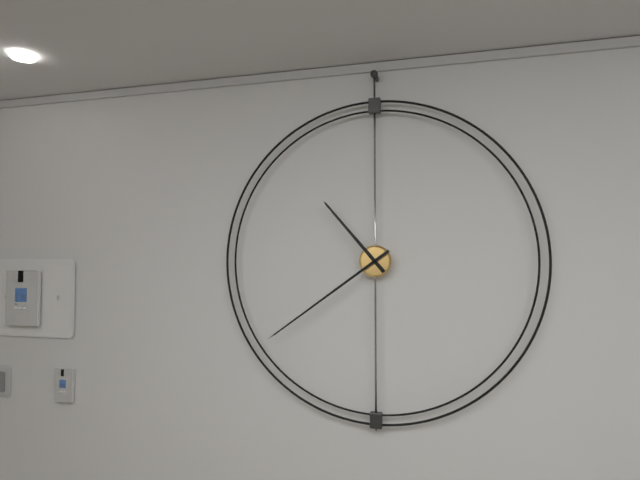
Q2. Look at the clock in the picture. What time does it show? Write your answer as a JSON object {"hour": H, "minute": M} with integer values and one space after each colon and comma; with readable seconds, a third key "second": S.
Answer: {"hour": 10, "minute": 39}
